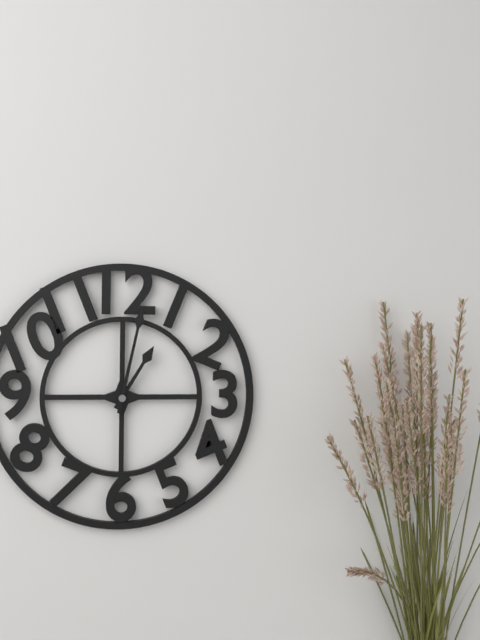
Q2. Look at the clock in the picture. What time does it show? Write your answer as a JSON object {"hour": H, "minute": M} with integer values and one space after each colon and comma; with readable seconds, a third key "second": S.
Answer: {"hour": 1, "minute": 2}
